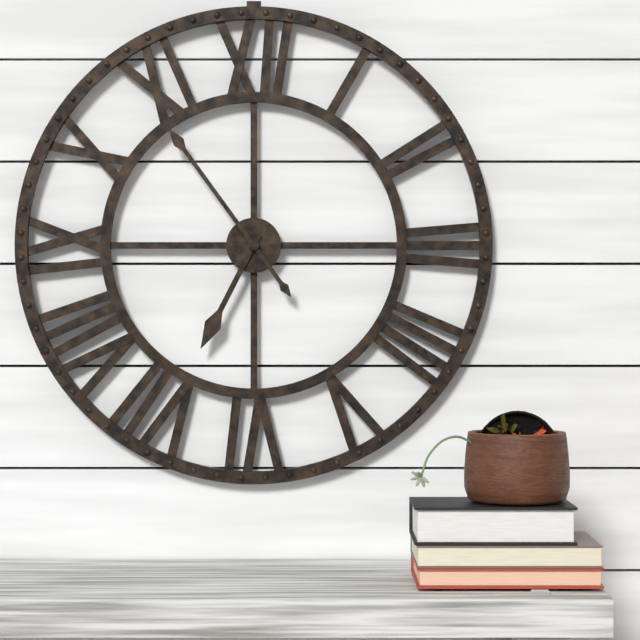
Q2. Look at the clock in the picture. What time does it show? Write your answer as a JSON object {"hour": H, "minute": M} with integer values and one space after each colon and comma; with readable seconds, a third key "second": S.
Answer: {"hour": 6, "minute": 54}
